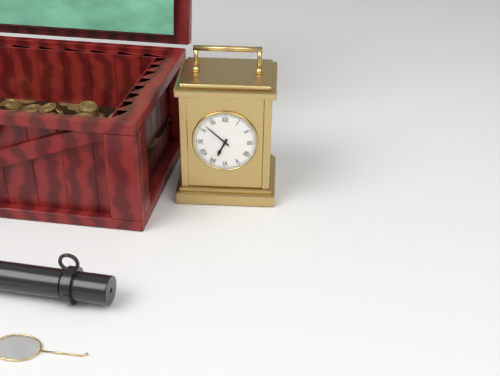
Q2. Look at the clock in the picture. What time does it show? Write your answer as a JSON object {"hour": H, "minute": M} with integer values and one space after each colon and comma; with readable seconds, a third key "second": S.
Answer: {"hour": 6, "minute": 52}
